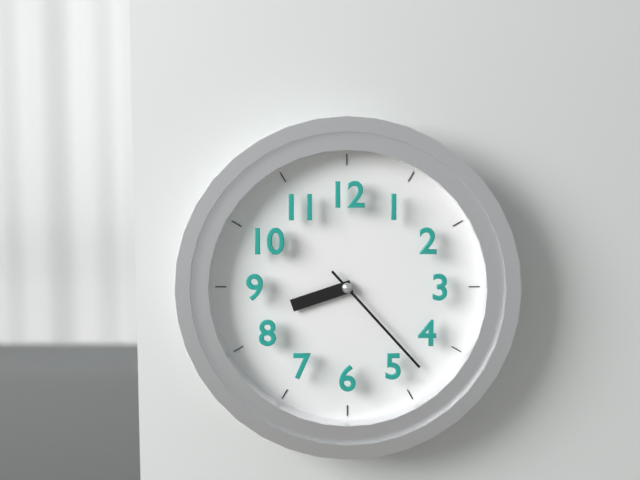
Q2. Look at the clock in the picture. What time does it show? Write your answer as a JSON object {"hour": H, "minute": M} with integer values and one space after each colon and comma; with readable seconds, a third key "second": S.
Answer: {"hour": 8, "minute": 23}
